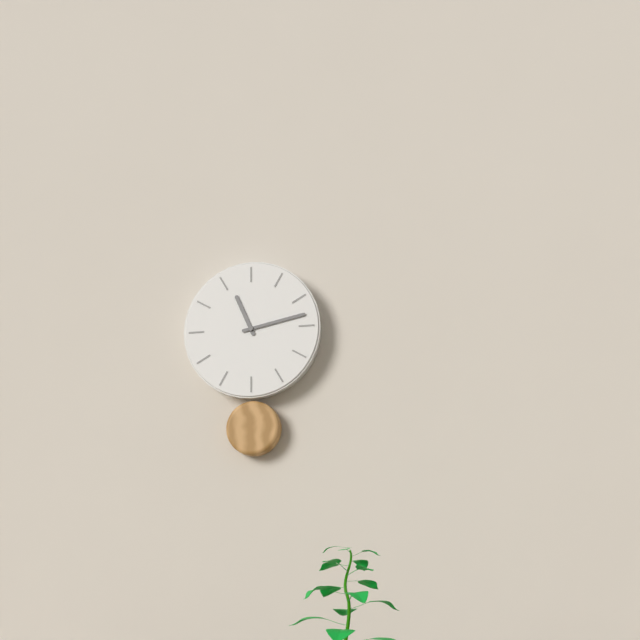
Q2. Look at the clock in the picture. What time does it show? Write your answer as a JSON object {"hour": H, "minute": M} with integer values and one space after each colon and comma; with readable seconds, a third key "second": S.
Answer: {"hour": 11, "minute": 13}
